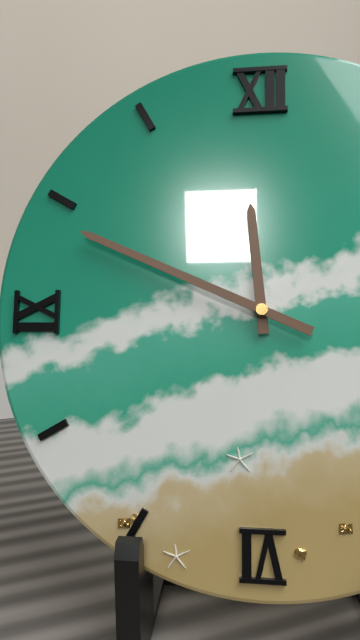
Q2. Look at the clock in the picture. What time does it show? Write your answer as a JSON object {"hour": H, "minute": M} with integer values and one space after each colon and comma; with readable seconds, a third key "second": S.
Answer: {"hour": 11, "minute": 49}
